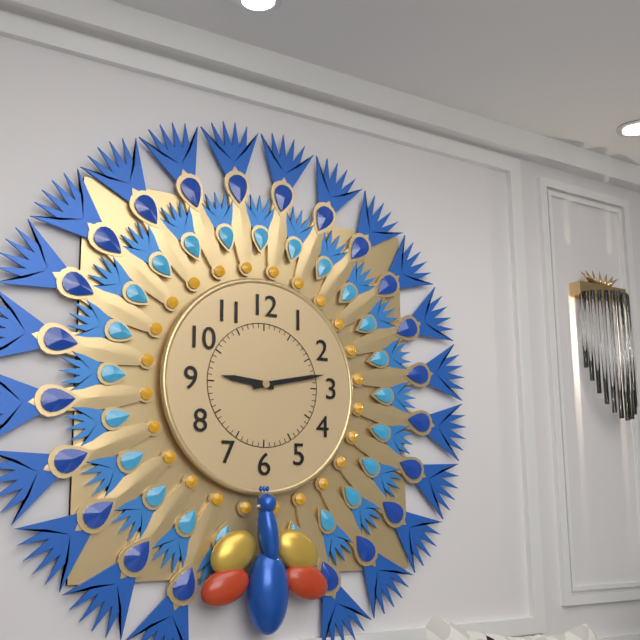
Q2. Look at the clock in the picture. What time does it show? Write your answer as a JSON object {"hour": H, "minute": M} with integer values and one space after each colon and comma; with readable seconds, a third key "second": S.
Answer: {"hour": 9, "minute": 13}
